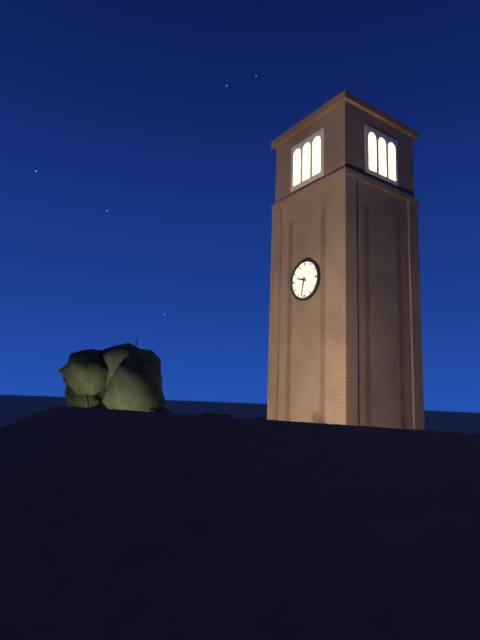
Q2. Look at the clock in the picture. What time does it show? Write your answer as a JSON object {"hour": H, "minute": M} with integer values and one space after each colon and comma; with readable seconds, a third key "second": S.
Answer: {"hour": 9, "minute": 32}
